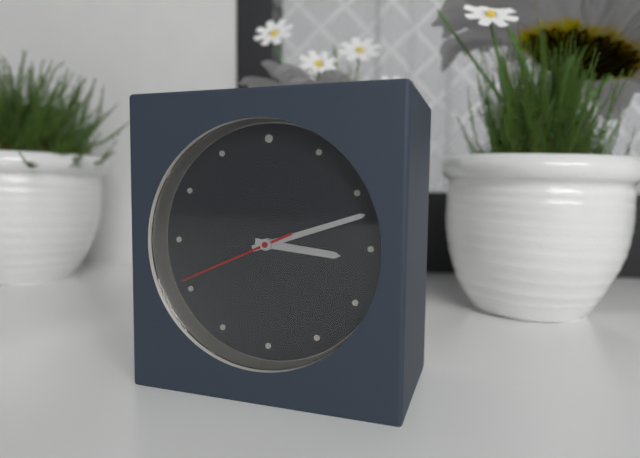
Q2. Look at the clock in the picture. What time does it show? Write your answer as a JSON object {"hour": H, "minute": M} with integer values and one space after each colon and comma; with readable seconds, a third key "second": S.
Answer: {"hour": 3, "minute": 12, "second": 41}
